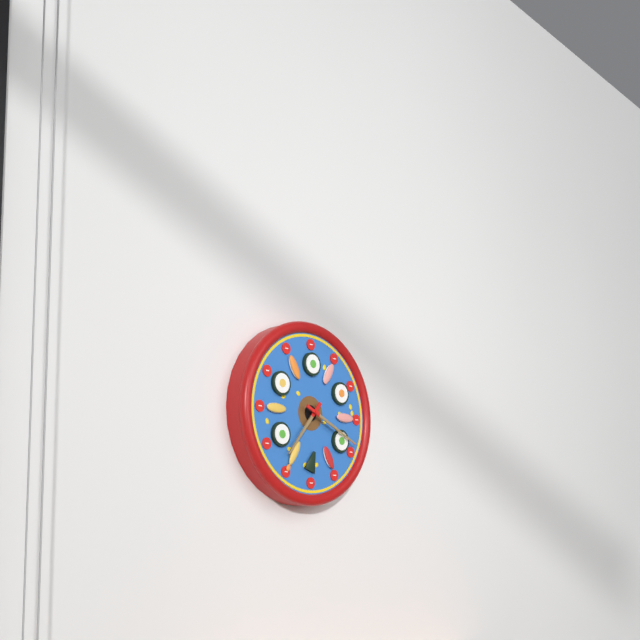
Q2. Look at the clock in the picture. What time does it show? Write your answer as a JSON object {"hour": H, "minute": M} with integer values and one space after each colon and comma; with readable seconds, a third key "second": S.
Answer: {"hour": 7, "minute": 19}
